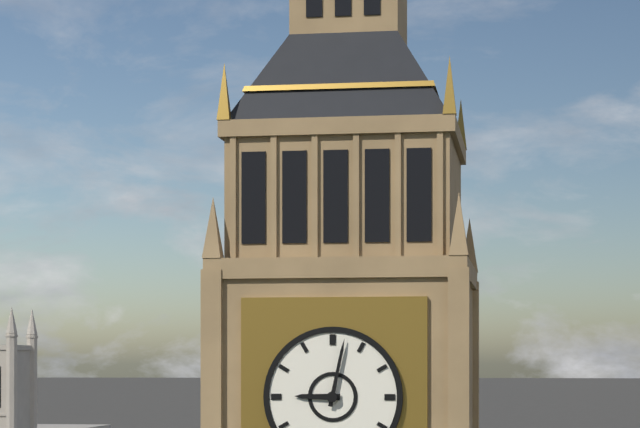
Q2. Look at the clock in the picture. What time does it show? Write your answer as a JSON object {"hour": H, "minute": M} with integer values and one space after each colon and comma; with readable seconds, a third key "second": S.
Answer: {"hour": 9, "minute": 2}
